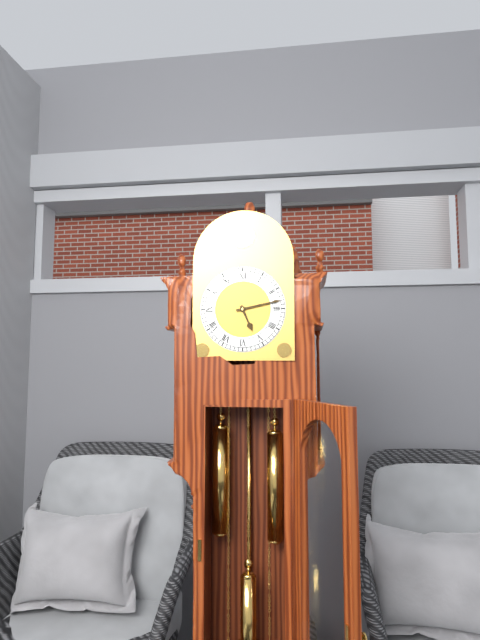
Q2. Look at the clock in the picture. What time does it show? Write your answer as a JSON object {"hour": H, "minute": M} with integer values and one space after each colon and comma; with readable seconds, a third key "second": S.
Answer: {"hour": 5, "minute": 13}
